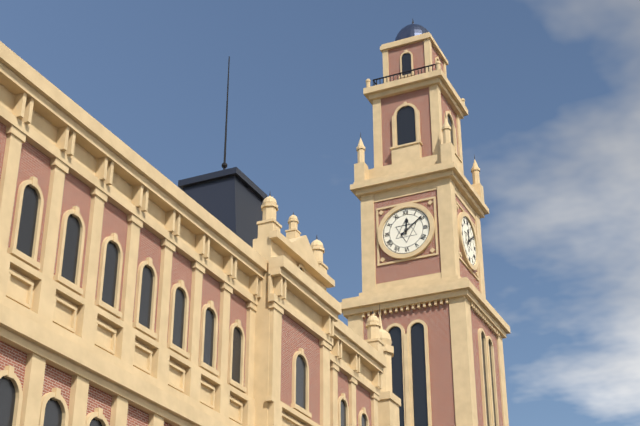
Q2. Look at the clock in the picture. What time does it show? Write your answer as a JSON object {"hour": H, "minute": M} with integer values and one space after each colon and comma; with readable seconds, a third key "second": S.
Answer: {"hour": 12, "minute": 9}
